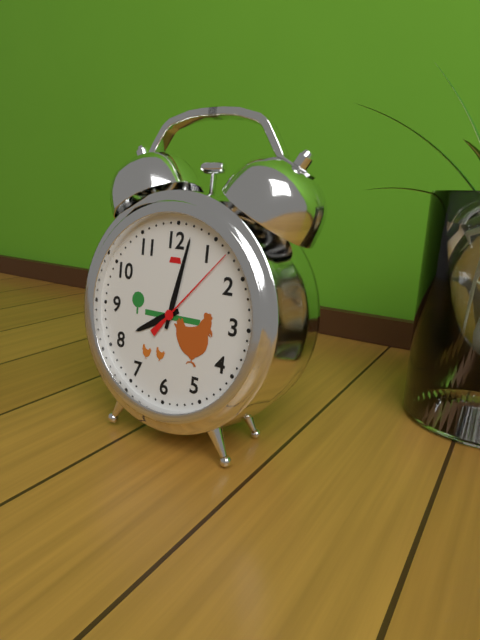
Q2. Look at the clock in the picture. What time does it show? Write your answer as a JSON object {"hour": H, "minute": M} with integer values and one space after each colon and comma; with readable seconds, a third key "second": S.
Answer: {"hour": 8, "minute": 2, "second": 7}
